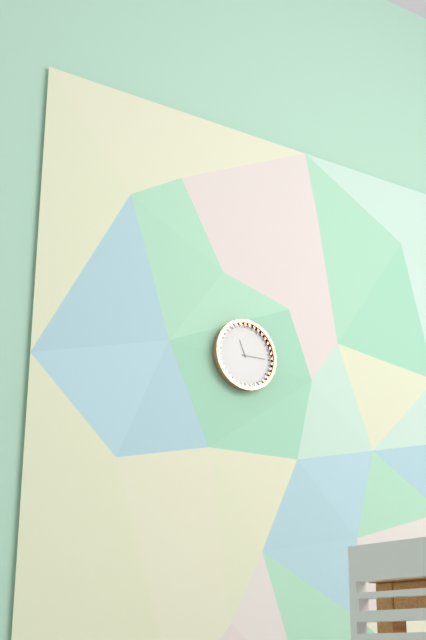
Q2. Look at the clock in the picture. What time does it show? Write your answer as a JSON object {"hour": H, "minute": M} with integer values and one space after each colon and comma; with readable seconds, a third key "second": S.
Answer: {"hour": 11, "minute": 15}
